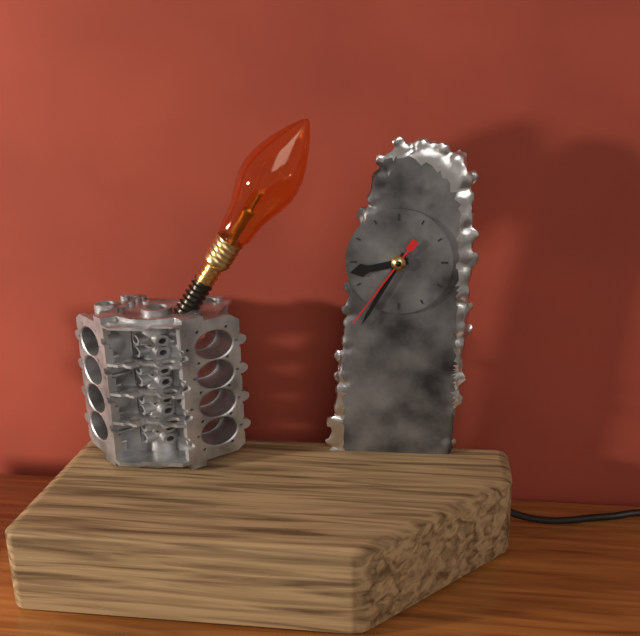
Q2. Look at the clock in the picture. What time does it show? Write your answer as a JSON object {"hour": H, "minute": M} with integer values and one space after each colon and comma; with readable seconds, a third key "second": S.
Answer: {"hour": 8, "minute": 35, "second": 36}
